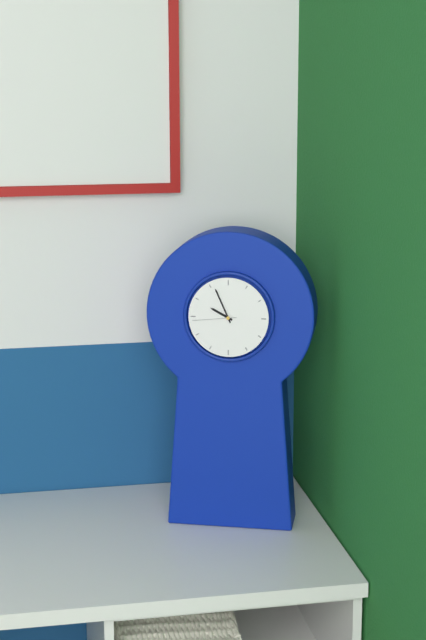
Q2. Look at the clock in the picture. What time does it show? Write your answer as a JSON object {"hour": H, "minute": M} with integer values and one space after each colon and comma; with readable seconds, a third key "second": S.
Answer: {"hour": 9, "minute": 56}
